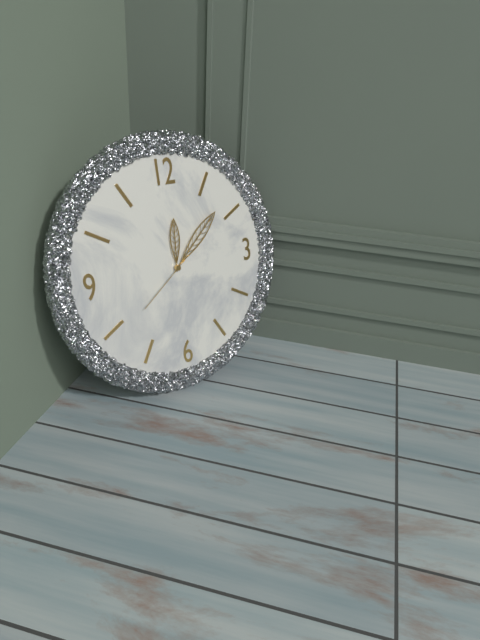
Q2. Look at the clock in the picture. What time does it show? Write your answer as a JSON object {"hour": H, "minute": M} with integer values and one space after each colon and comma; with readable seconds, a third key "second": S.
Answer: {"hour": 12, "minute": 8, "second": 39}
